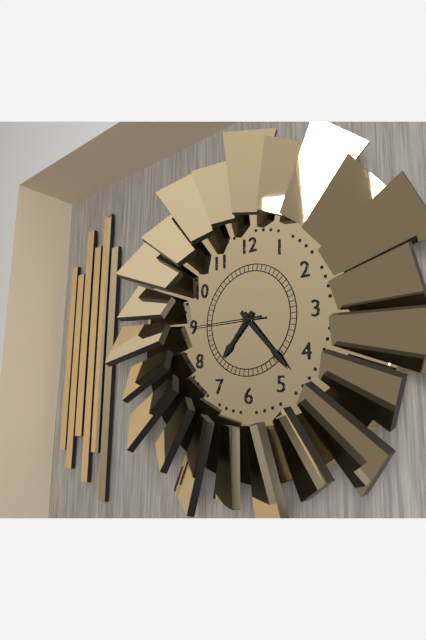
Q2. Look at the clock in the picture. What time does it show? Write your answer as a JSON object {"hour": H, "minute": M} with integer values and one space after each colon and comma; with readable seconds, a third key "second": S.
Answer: {"hour": 7, "minute": 23, "second": 45}
